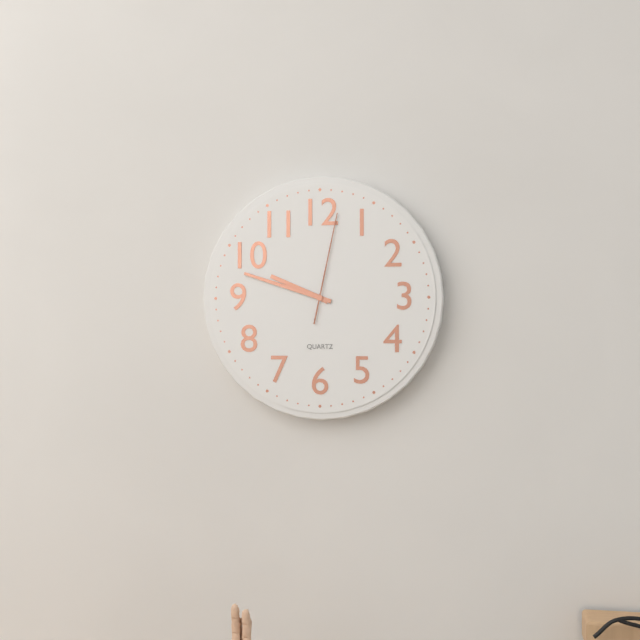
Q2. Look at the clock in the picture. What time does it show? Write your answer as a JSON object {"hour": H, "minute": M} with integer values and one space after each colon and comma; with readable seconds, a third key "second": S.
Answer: {"hour": 9, "minute": 48, "second": 2}
